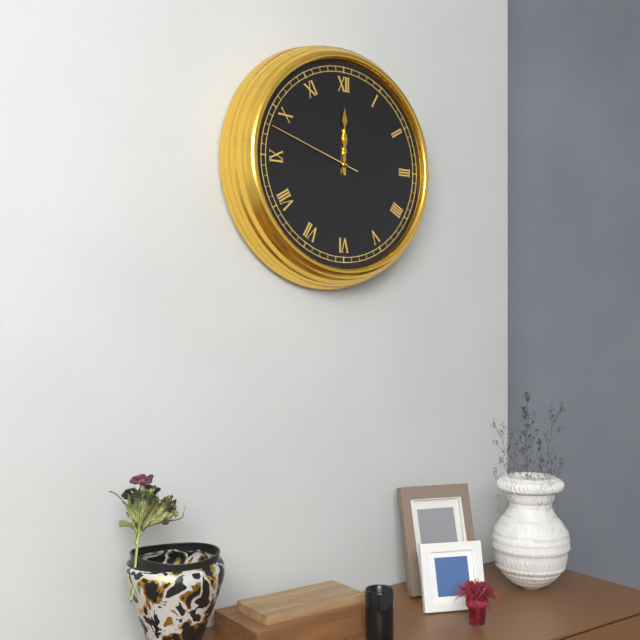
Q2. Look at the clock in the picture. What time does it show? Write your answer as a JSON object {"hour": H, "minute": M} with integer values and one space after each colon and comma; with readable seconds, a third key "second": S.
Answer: {"hour": 12, "minute": 0, "second": 48}
